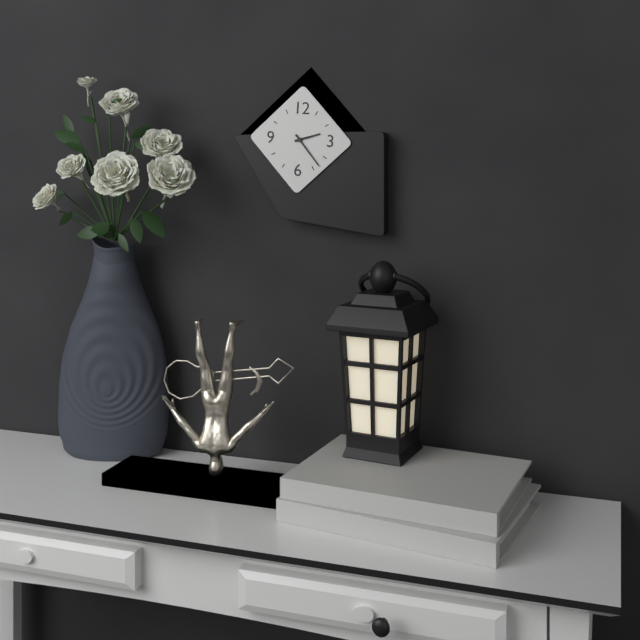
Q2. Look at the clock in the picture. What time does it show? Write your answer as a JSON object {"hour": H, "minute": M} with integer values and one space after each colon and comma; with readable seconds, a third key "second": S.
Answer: {"hour": 2, "minute": 23}
